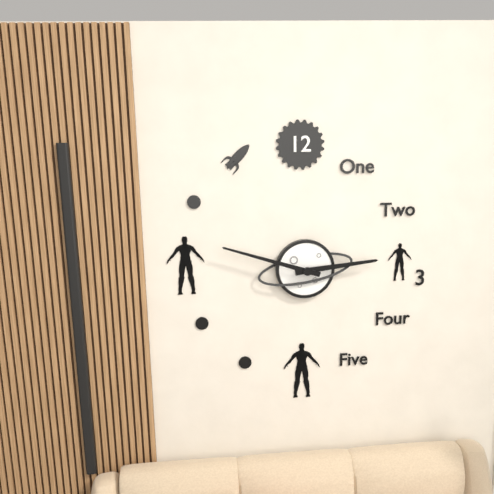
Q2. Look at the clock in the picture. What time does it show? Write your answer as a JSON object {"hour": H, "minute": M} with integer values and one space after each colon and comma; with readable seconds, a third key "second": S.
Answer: {"hour": 2, "minute": 48}
